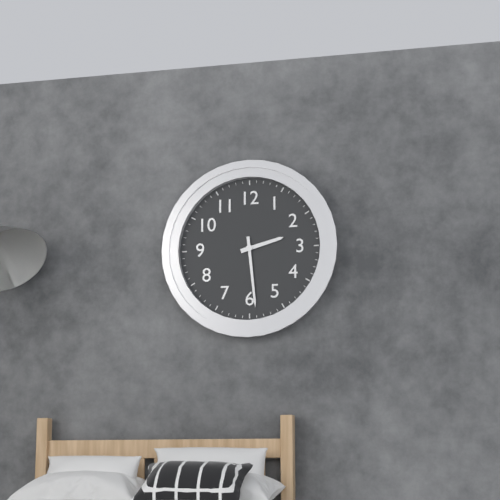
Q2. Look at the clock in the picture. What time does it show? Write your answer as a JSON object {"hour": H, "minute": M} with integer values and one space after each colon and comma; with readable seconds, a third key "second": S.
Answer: {"hour": 2, "minute": 29}
